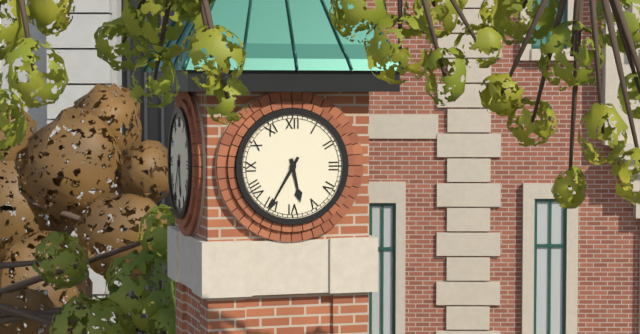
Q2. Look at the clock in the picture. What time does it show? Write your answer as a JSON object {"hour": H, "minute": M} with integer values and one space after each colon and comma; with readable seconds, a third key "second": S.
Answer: {"hour": 5, "minute": 35}
